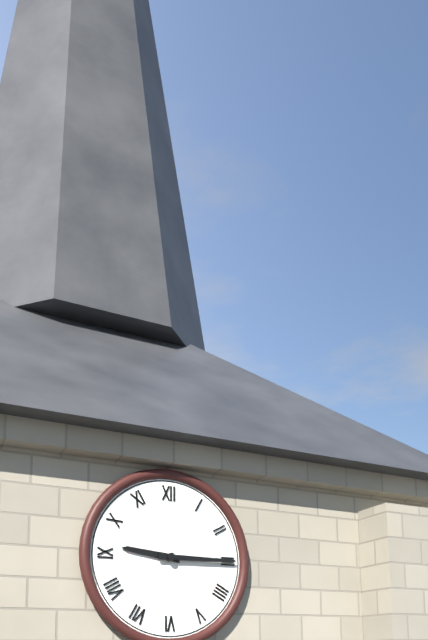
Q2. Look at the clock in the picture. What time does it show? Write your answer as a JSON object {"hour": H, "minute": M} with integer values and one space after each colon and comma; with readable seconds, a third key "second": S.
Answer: {"hour": 9, "minute": 15}
